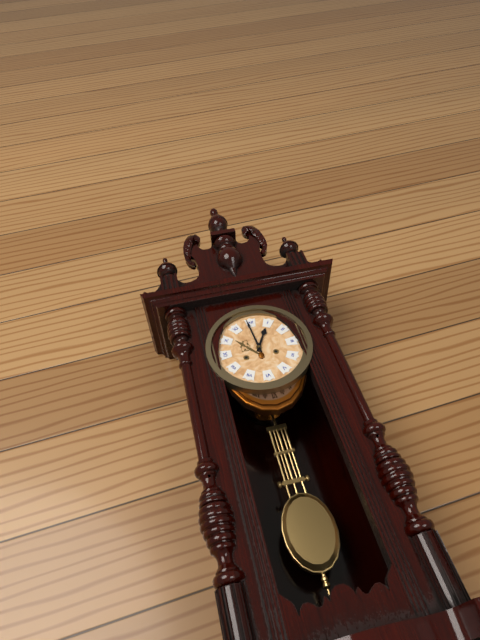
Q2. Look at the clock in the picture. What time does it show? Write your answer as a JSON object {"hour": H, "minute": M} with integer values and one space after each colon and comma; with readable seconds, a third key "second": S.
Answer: {"hour": 12, "minute": 59}
